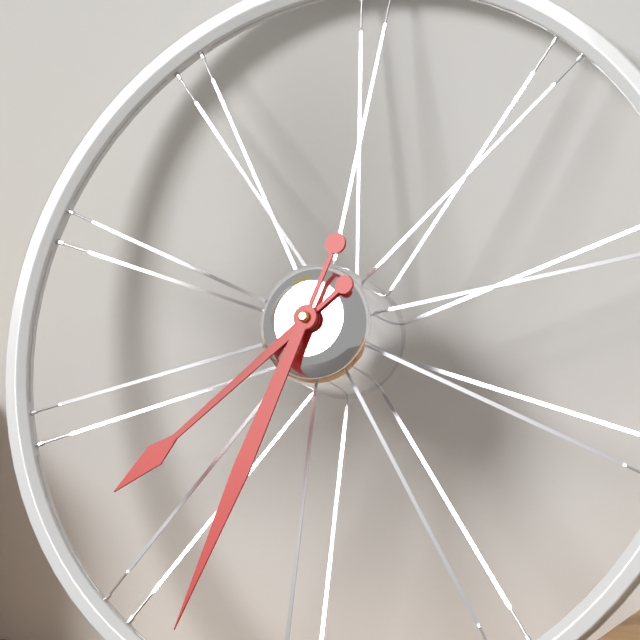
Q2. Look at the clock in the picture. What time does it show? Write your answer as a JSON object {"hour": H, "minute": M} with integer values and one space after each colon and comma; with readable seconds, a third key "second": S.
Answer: {"hour": 7, "minute": 33}
